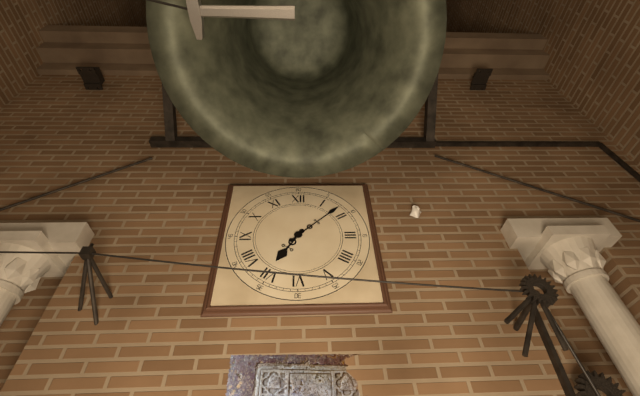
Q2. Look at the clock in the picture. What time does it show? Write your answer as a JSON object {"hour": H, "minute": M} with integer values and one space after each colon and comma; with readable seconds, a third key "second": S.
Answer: {"hour": 7, "minute": 8}
